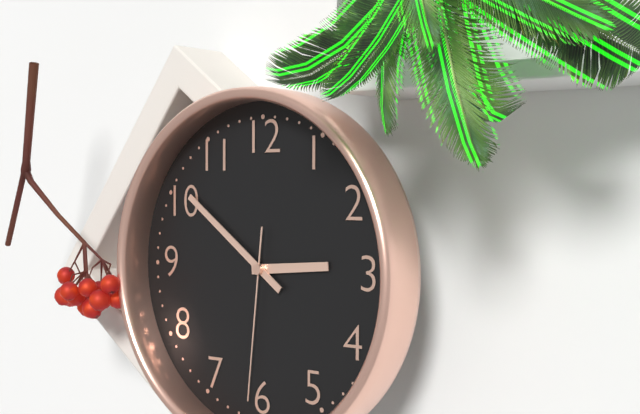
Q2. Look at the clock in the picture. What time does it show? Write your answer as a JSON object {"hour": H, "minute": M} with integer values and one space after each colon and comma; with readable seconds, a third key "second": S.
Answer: {"hour": 2, "minute": 51, "second": 31}
